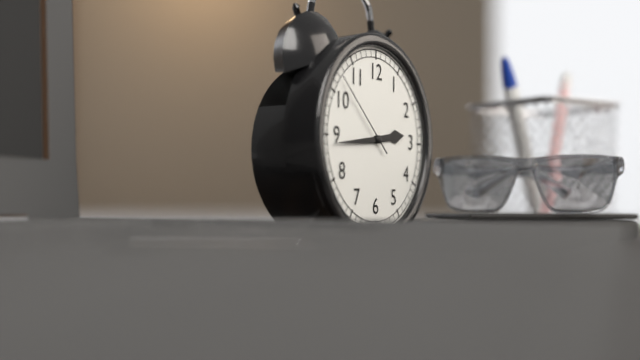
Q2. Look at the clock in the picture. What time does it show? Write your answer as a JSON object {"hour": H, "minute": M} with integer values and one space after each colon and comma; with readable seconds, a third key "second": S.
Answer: {"hour": 2, "minute": 44, "second": 52}
